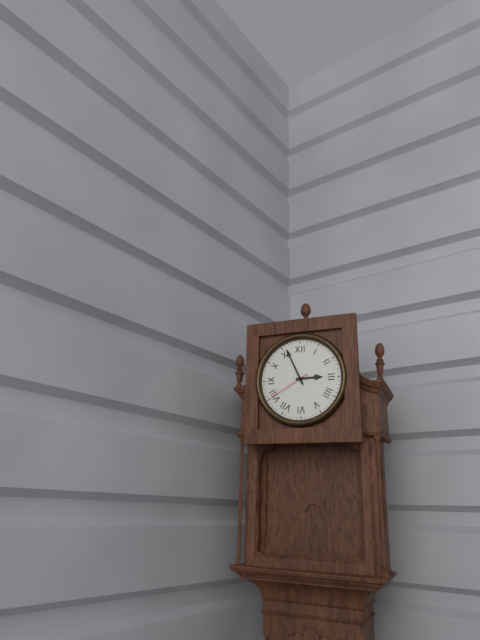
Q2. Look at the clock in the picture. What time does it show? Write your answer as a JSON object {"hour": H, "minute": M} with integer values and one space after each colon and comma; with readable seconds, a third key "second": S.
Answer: {"hour": 2, "minute": 56}
